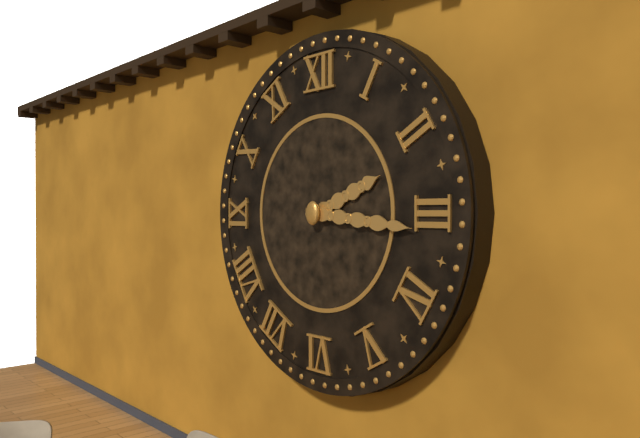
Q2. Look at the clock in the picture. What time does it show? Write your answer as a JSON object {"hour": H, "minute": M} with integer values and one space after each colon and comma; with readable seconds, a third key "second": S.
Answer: {"hour": 2, "minute": 16}
